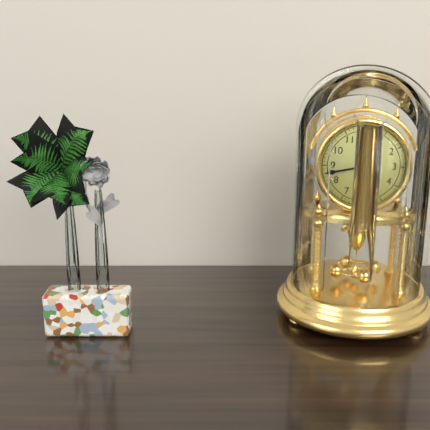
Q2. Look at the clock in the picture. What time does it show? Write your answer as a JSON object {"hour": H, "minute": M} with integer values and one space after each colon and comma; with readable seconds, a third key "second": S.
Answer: {"hour": 5, "minute": 43}
